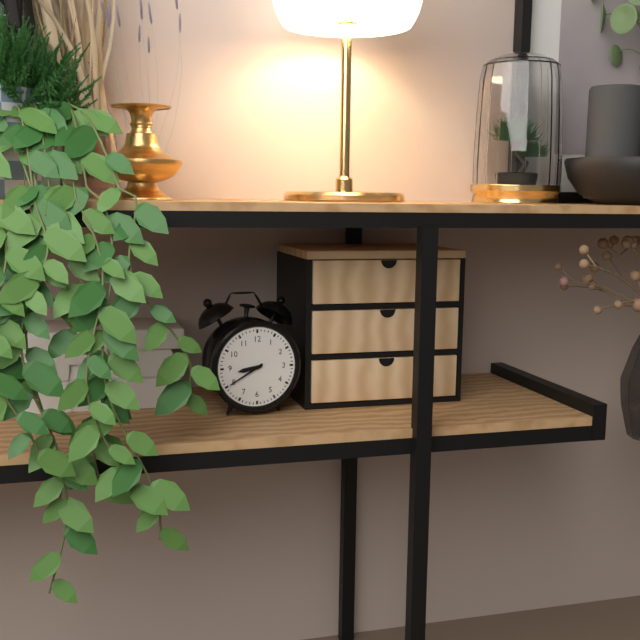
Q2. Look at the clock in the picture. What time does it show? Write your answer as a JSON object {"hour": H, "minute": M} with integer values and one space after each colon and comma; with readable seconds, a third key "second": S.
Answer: {"hour": 8, "minute": 40}
